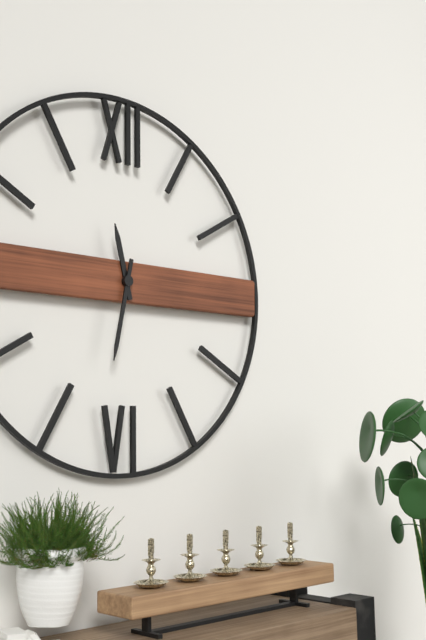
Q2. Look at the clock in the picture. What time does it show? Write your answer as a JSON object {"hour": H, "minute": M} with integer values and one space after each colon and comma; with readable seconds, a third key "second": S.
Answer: {"hour": 11, "minute": 32}
